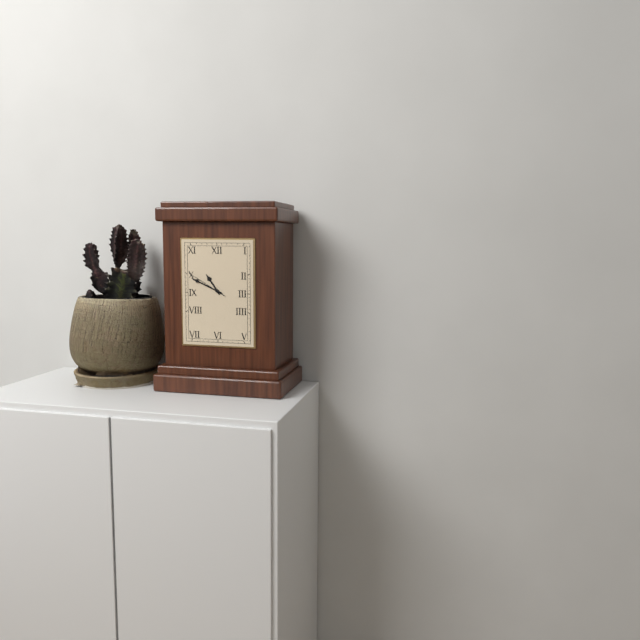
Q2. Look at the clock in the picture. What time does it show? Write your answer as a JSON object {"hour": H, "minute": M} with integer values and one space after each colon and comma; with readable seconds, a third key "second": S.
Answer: {"hour": 10, "minute": 49, "second": 50}
